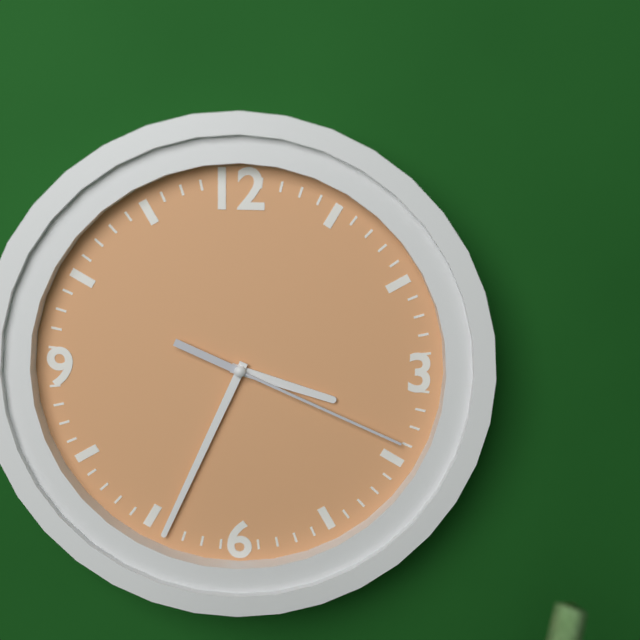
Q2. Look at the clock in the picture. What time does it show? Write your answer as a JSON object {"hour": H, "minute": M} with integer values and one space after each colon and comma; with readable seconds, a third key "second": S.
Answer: {"hour": 3, "minute": 34, "second": 19}
